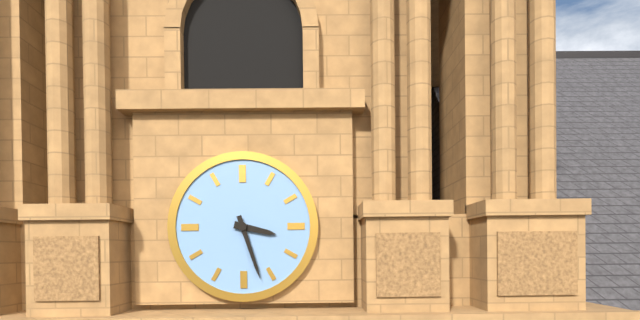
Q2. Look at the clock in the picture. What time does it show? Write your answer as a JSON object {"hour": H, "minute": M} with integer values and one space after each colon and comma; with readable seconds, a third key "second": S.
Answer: {"hour": 3, "minute": 27}
